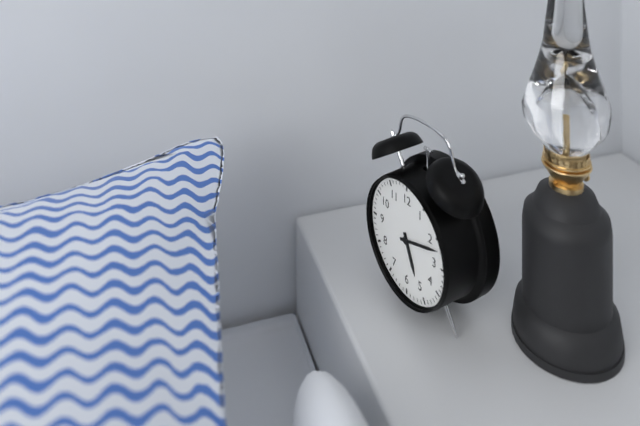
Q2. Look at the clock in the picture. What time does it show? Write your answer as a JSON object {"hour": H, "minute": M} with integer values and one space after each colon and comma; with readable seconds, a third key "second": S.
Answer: {"hour": 5, "minute": 12}
